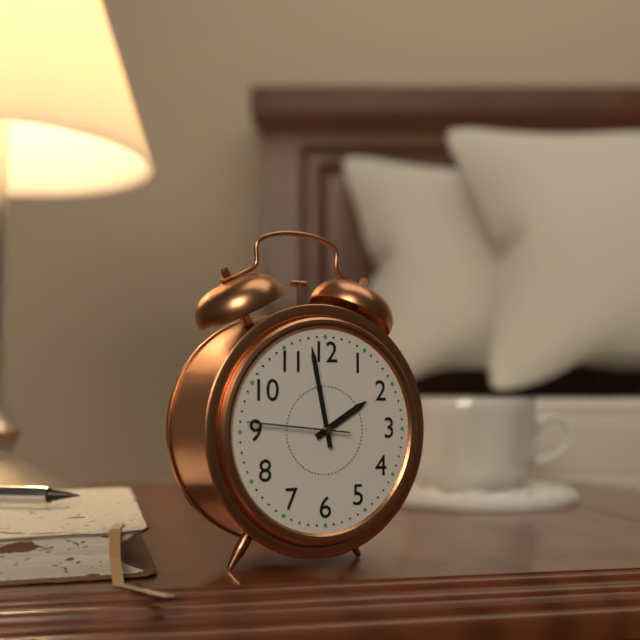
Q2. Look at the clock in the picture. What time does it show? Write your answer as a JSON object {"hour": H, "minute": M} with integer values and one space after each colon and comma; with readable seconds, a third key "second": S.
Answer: {"hour": 1, "minute": 58, "second": 46}
